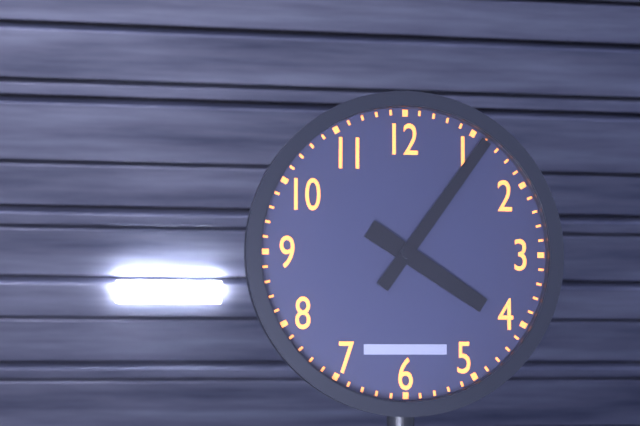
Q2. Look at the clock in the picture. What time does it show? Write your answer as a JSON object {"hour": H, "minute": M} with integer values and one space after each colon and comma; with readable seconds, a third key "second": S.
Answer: {"hour": 4, "minute": 6}
